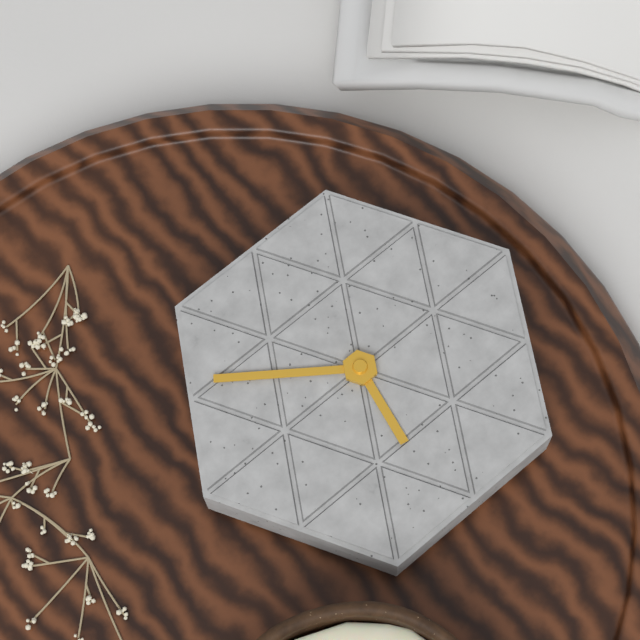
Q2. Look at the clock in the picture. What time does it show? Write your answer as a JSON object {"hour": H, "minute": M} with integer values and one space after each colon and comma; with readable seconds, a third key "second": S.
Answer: {"hour": 12, "minute": 21}
